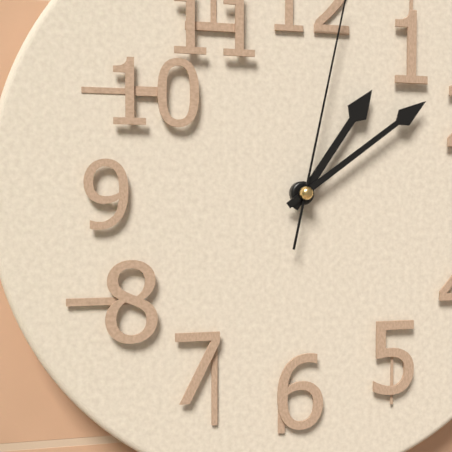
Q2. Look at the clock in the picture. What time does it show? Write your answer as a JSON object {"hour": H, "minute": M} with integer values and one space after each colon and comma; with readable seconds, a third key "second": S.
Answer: {"hour": 1, "minute": 9}
